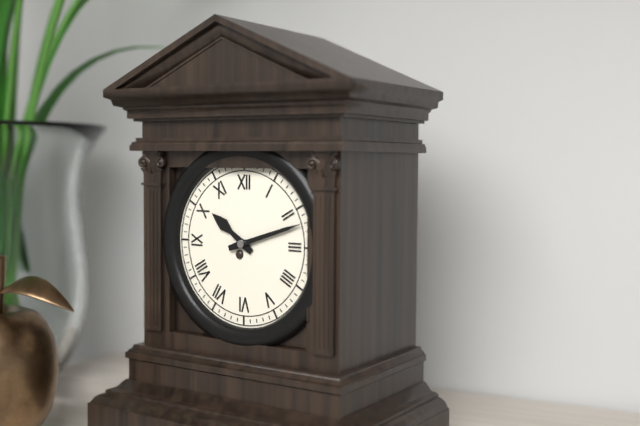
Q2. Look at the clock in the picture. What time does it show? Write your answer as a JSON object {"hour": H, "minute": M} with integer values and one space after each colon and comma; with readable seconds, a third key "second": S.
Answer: {"hour": 10, "minute": 12}
